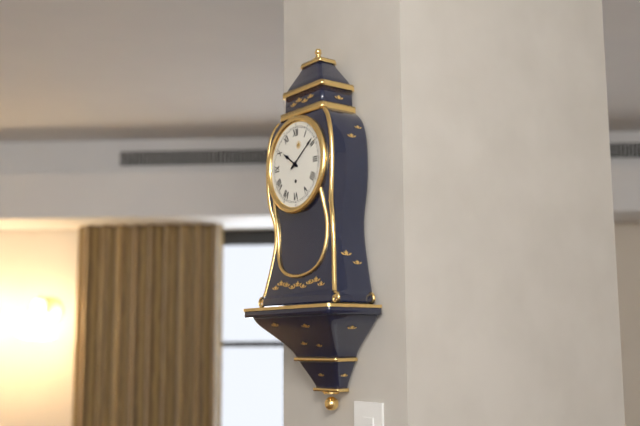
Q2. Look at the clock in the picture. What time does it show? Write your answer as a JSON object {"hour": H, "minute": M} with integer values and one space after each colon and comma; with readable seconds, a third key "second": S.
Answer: {"hour": 10, "minute": 9}
